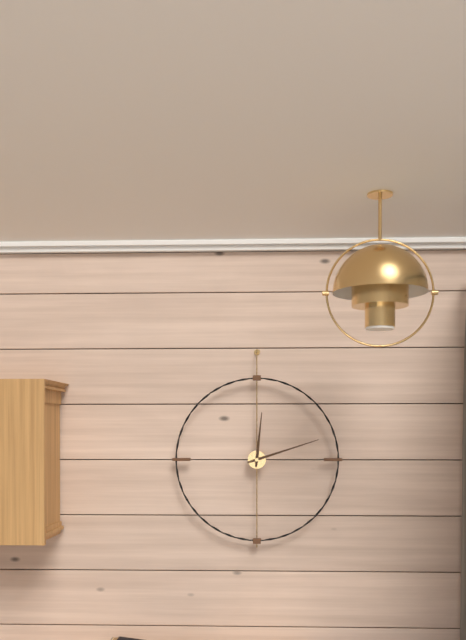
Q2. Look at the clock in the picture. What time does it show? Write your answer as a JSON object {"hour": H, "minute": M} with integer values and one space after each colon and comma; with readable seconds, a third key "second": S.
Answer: {"hour": 12, "minute": 12}
